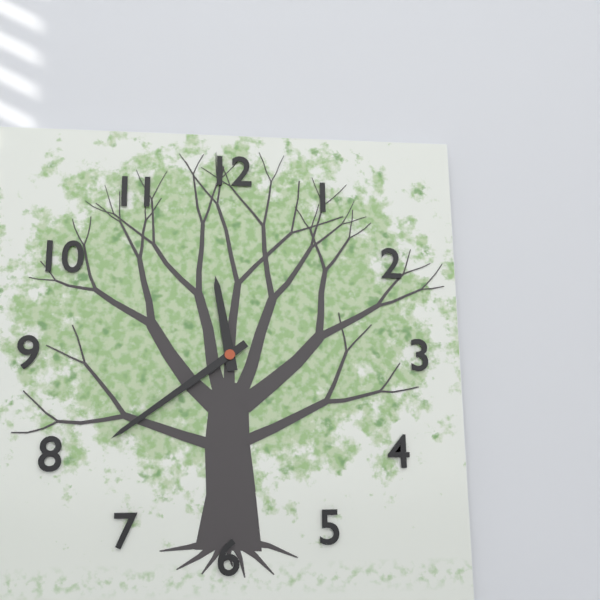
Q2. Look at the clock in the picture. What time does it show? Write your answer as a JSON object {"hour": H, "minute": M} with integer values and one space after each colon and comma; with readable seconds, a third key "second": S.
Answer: {"hour": 11, "minute": 39}
